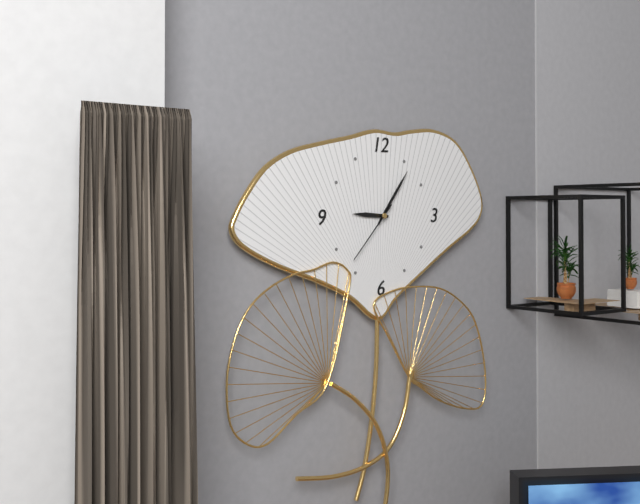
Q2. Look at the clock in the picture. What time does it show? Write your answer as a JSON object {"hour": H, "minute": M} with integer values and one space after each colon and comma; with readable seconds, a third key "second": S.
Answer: {"hour": 9, "minute": 6, "second": 37}
